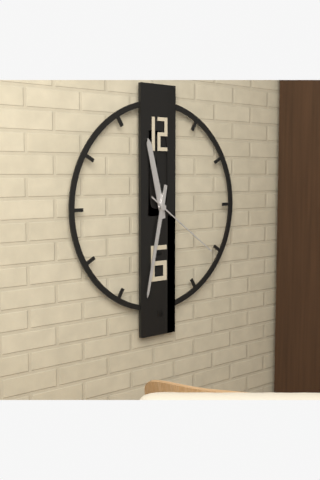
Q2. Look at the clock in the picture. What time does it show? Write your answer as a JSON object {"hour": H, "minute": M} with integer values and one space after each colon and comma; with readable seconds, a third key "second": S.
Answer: {"hour": 11, "minute": 32, "second": 21}
